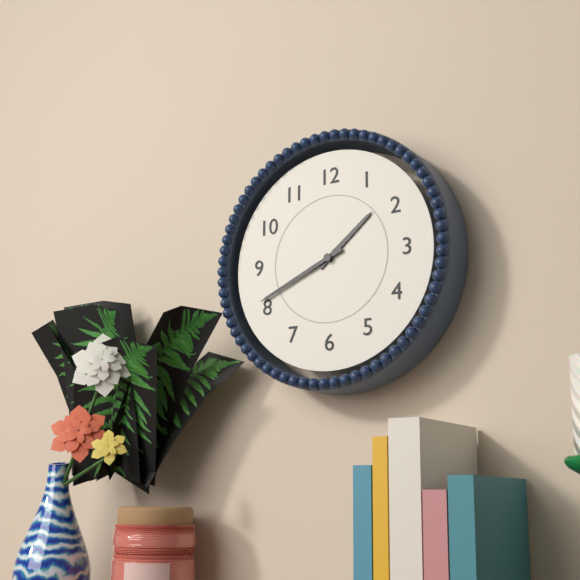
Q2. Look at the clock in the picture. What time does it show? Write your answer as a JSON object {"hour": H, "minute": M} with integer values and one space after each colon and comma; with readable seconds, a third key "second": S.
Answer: {"hour": 1, "minute": 41}
